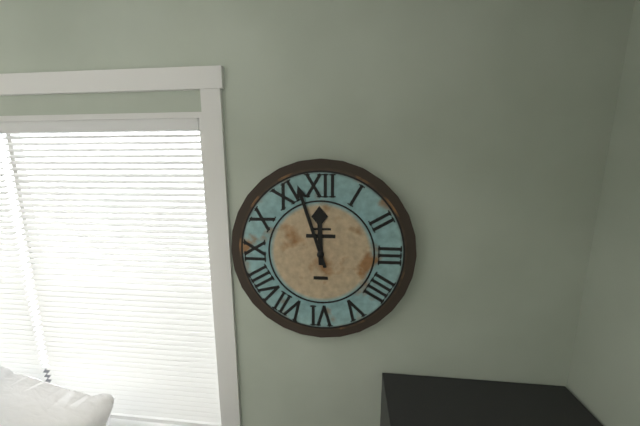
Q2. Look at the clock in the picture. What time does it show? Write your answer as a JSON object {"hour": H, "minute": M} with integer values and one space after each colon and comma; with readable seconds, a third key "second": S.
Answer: {"hour": 11, "minute": 57}
